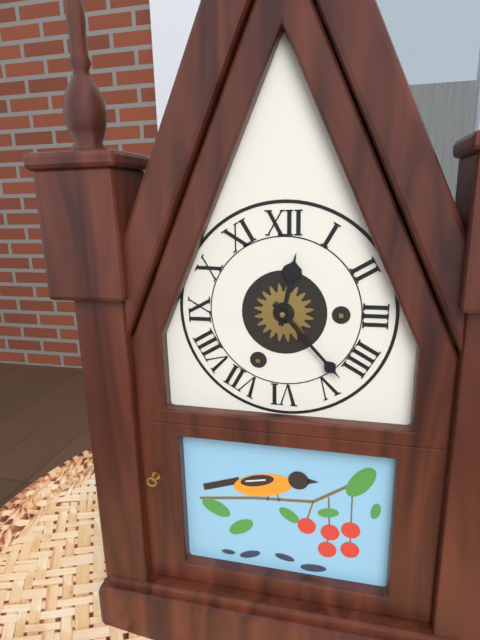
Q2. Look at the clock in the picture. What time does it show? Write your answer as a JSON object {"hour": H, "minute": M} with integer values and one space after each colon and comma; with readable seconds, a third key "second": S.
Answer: {"hour": 12, "minute": 23}
